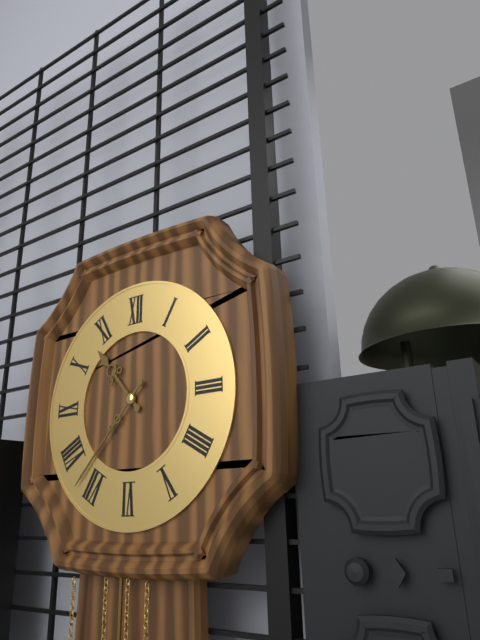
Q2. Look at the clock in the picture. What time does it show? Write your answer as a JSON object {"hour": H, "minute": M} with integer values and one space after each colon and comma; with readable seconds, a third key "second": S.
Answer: {"hour": 10, "minute": 37}
